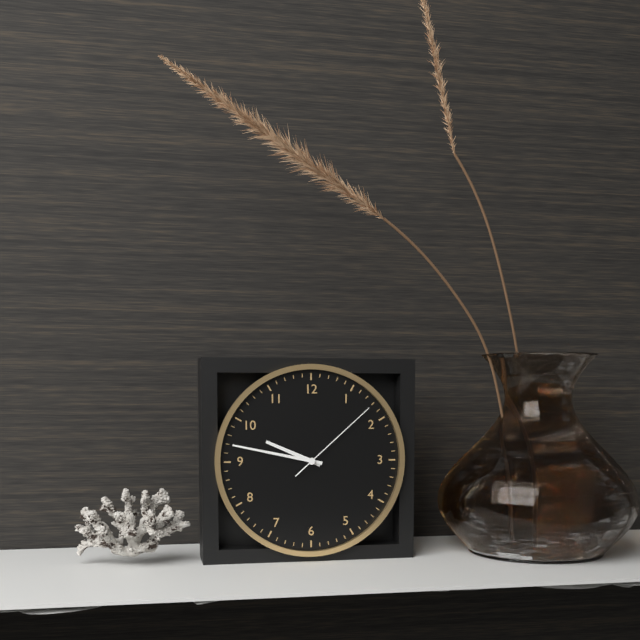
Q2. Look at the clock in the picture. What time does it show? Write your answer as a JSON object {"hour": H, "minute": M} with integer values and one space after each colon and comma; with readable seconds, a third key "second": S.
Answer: {"hour": 9, "minute": 47, "second": 8}
